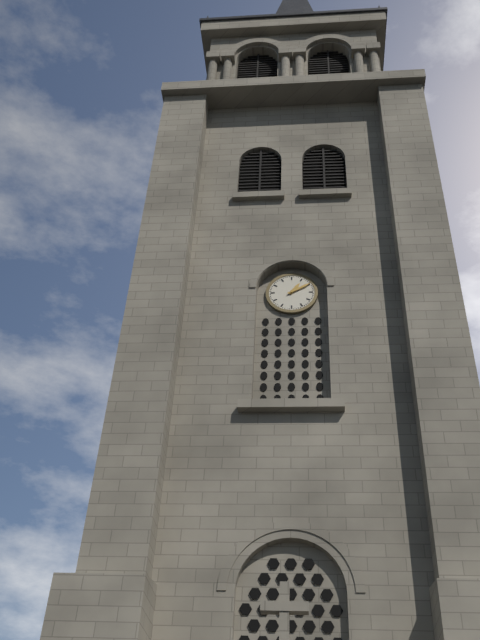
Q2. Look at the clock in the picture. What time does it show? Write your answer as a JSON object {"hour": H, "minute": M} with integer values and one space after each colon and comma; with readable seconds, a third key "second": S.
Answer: {"hour": 1, "minute": 10}
